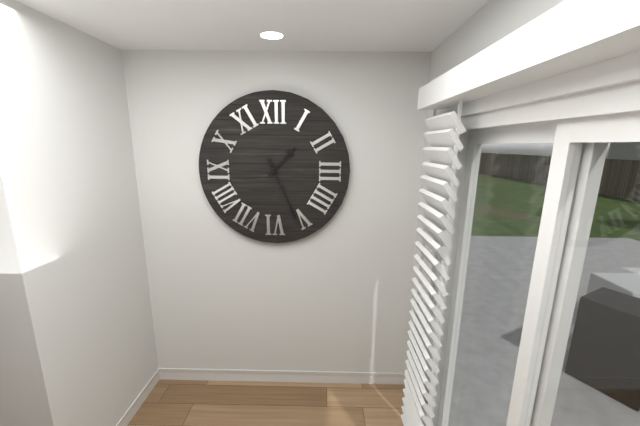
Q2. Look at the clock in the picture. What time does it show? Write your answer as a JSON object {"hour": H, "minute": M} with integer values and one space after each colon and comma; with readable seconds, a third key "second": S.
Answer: {"hour": 1, "minute": 26}
